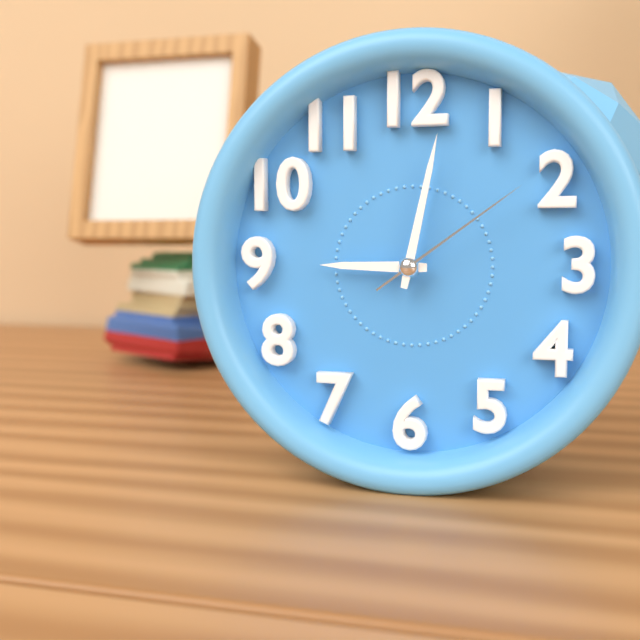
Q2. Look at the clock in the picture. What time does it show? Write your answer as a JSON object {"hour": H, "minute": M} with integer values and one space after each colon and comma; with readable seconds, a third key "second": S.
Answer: {"hour": 9, "minute": 2, "second": 9}
